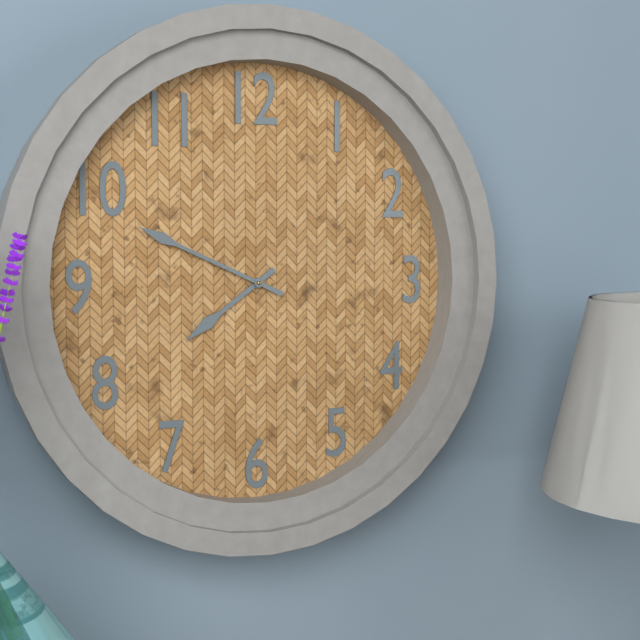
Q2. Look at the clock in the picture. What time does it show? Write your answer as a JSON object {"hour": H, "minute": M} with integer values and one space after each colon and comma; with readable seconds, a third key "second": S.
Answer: {"hour": 7, "minute": 49}
